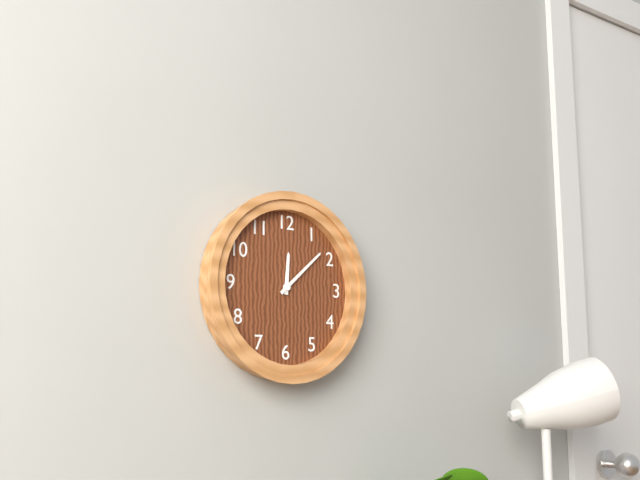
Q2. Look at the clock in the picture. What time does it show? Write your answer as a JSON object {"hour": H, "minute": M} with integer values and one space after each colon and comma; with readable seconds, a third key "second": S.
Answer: {"hour": 12, "minute": 8}
